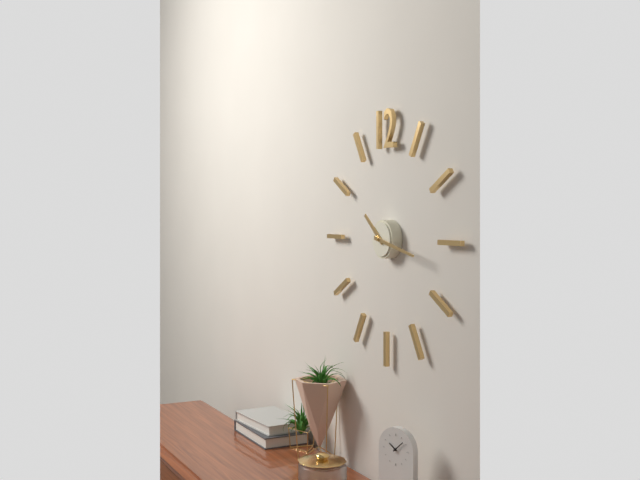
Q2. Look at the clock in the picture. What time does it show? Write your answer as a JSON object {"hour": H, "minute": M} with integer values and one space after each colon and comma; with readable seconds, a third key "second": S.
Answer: {"hour": 10, "minute": 17}
